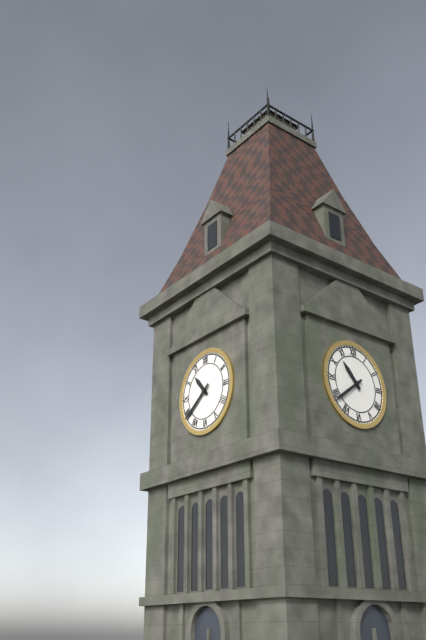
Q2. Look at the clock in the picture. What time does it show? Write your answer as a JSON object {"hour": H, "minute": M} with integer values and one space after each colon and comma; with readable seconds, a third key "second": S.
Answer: {"hour": 10, "minute": 39}
